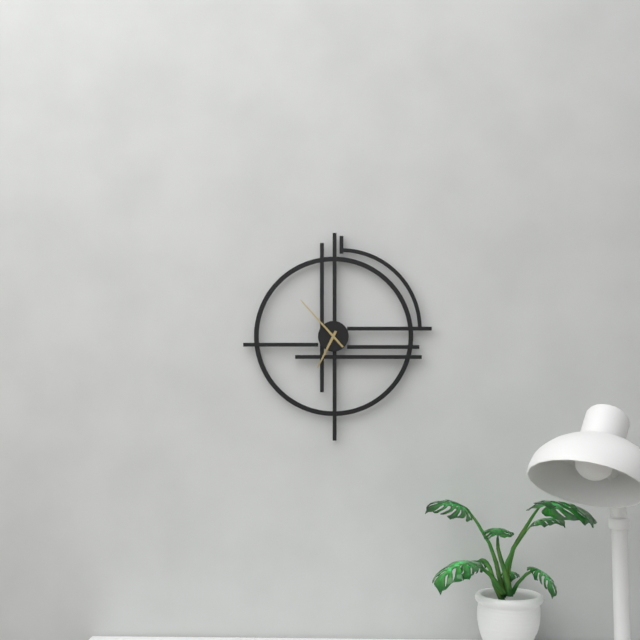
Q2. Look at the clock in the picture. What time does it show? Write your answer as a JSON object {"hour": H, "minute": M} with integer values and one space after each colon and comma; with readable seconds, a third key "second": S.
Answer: {"hour": 6, "minute": 53}
